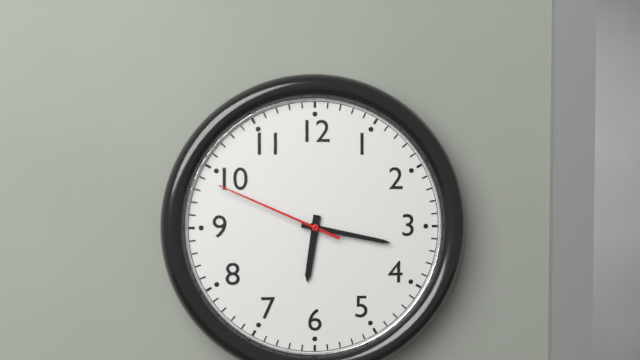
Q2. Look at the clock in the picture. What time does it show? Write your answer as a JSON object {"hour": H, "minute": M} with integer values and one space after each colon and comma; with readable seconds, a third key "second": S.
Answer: {"hour": 6, "minute": 17, "second": 49}
